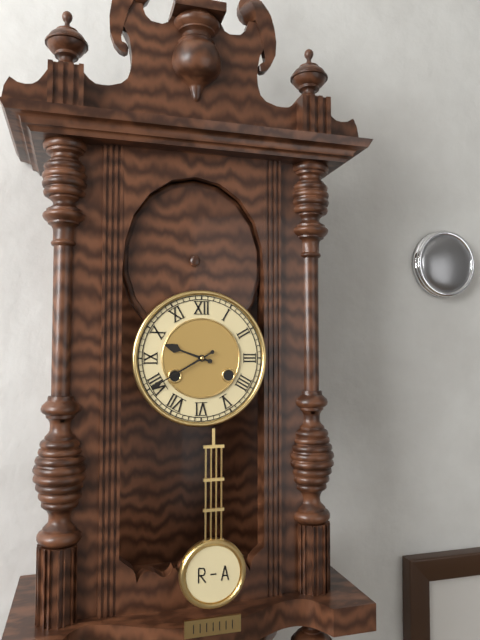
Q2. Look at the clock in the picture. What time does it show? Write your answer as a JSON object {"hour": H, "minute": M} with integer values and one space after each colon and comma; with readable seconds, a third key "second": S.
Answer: {"hour": 9, "minute": 40}
